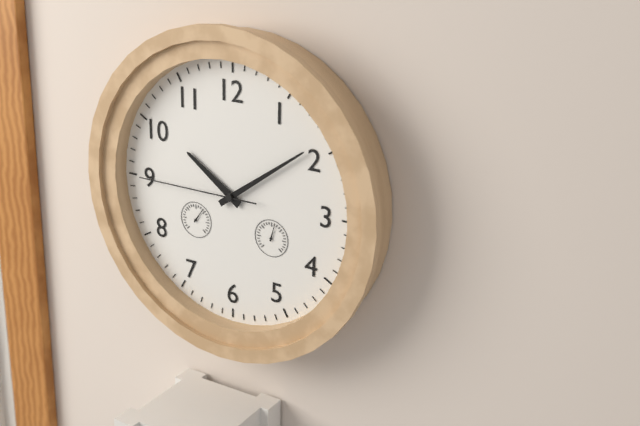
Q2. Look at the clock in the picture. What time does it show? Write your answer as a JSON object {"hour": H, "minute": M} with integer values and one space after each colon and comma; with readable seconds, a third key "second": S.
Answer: {"hour": 10, "minute": 9, "second": 45}
